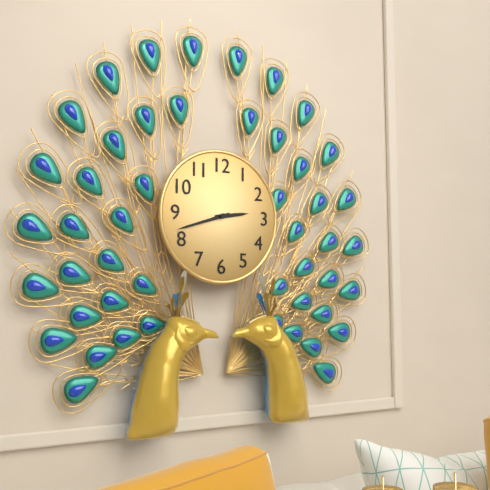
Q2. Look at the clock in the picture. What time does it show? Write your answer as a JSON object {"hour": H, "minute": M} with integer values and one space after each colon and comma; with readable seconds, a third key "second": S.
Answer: {"hour": 2, "minute": 42}
